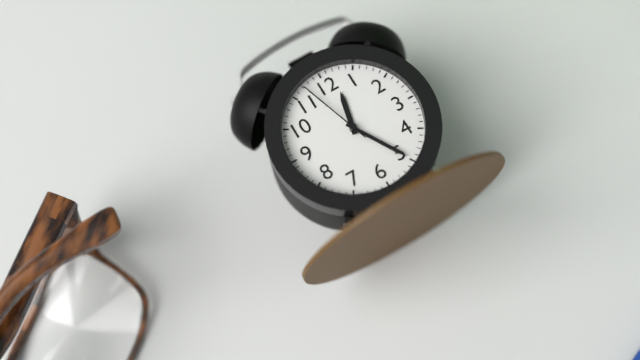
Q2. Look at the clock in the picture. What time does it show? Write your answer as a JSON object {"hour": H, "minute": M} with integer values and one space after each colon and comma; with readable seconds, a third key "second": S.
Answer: {"hour": 12, "minute": 25, "second": 57}
